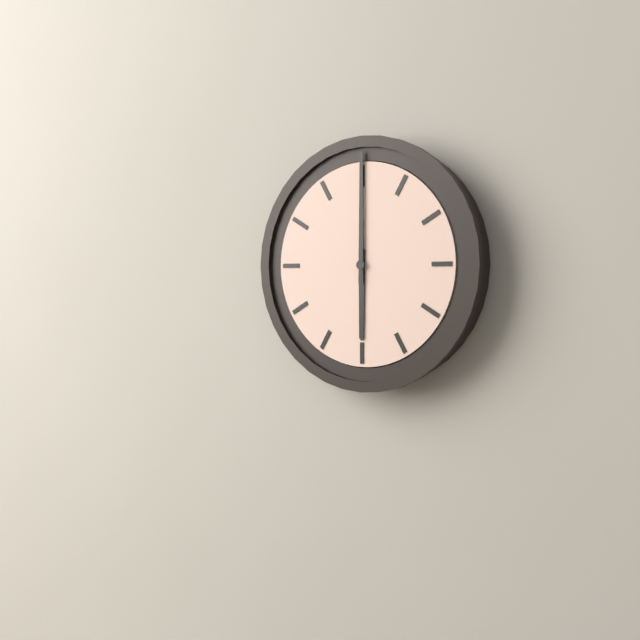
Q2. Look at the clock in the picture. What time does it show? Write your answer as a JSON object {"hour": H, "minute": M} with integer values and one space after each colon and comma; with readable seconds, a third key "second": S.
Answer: {"hour": 6, "minute": 0}
